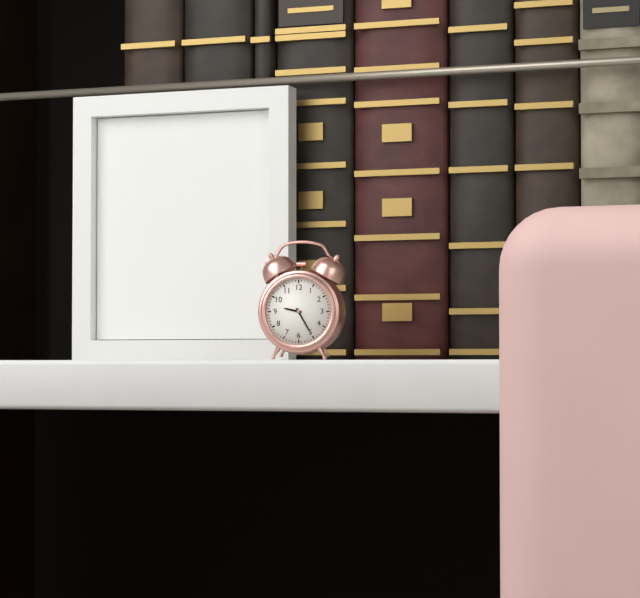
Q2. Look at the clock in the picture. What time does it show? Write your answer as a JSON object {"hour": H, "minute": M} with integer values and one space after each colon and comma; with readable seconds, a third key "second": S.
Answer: {"hour": 9, "minute": 25}
